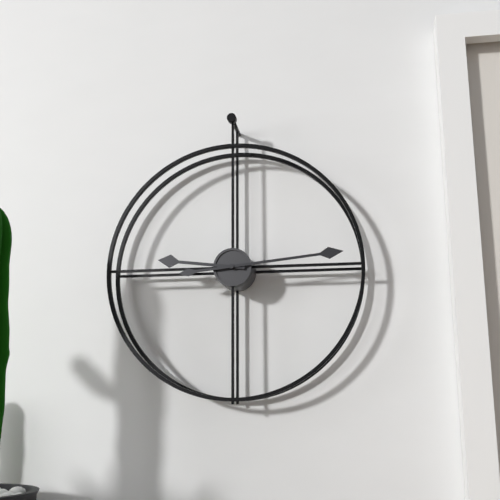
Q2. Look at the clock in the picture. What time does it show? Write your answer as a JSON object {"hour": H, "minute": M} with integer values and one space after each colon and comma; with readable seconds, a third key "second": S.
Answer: {"hour": 9, "minute": 14}
